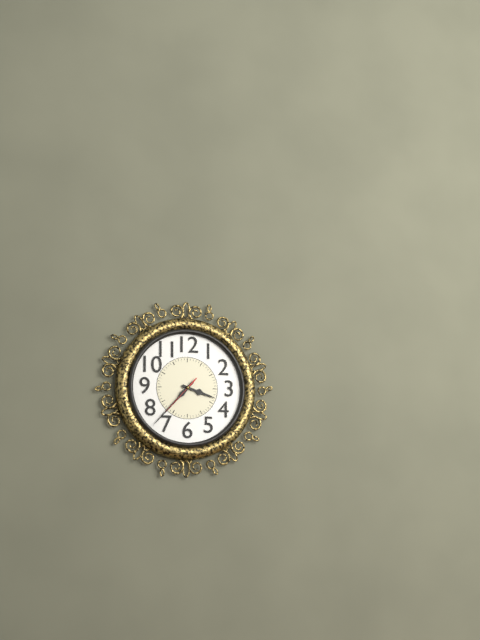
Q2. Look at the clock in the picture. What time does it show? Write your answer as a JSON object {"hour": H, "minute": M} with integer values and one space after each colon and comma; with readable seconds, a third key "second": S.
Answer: {"hour": 3, "minute": 37}
